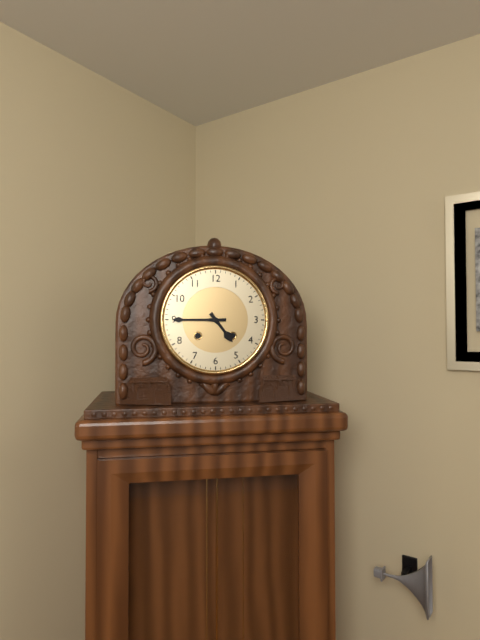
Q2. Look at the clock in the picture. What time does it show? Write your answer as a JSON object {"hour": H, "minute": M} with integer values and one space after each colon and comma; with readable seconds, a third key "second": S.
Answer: {"hour": 4, "minute": 45}
